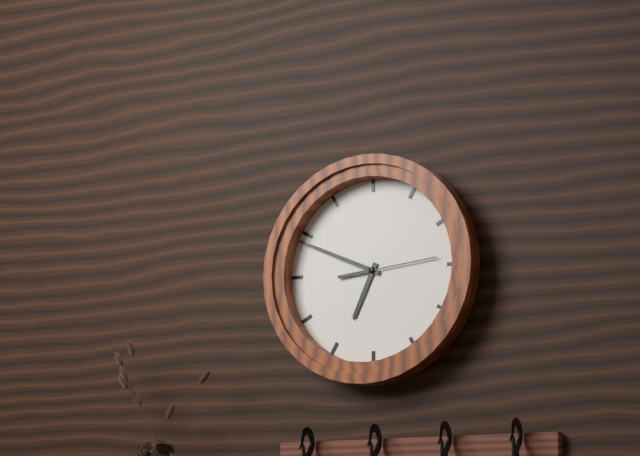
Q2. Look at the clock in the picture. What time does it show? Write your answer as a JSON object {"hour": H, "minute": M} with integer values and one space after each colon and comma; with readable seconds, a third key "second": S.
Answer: {"hour": 6, "minute": 49, "second": 14}
